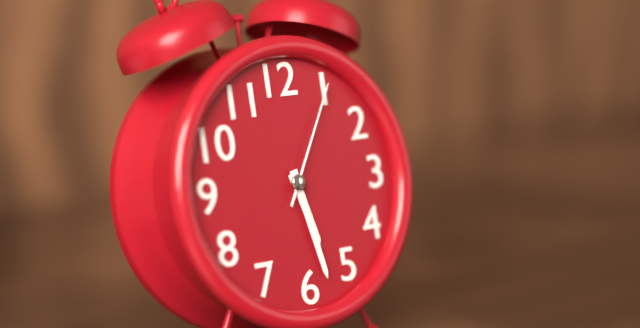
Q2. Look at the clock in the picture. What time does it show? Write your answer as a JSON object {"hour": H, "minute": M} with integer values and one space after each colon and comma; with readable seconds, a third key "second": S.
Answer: {"hour": 5, "minute": 28, "second": 5}
